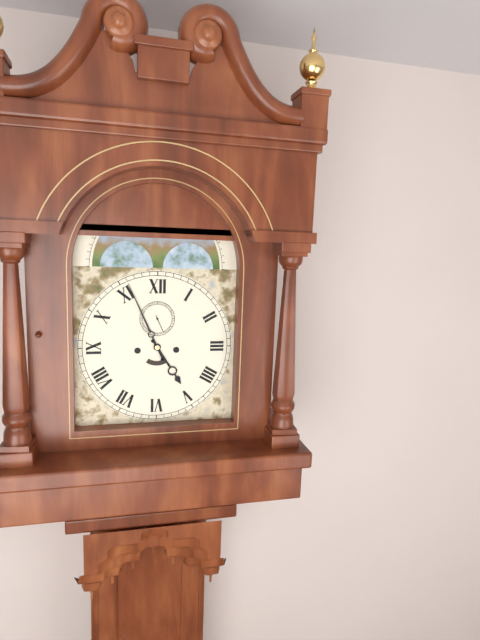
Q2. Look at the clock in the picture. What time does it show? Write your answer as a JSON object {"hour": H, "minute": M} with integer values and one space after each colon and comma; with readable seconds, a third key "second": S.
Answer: {"hour": 4, "minute": 56}
